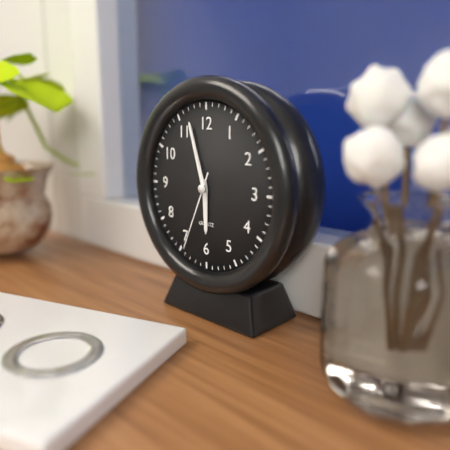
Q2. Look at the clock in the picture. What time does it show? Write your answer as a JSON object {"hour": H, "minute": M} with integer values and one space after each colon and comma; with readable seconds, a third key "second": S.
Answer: {"hour": 5, "minute": 57, "second": 34}
